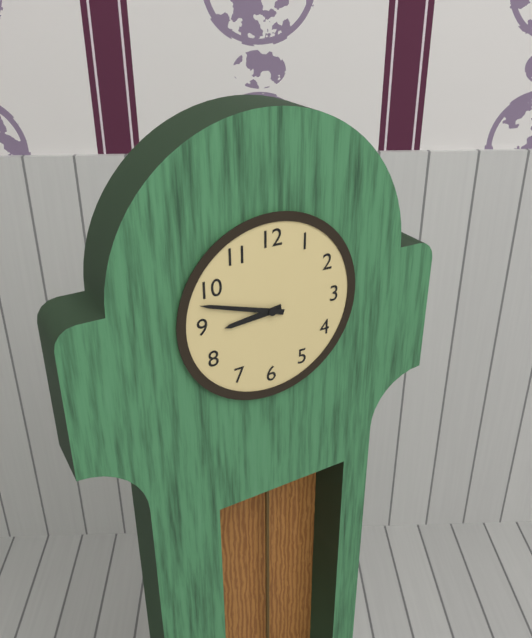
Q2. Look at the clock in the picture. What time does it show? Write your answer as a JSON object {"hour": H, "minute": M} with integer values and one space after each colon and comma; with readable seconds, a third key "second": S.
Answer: {"hour": 8, "minute": 48}
